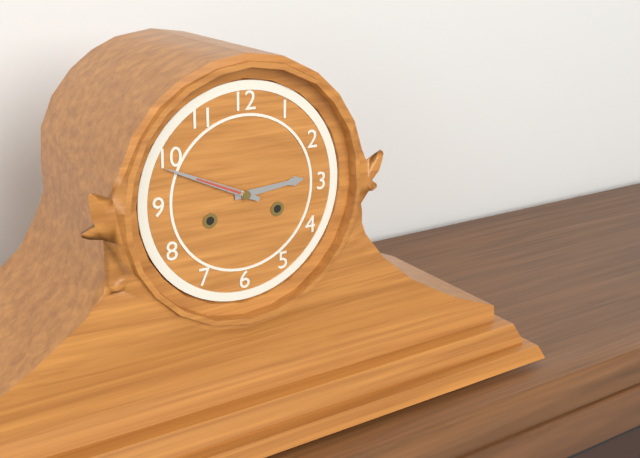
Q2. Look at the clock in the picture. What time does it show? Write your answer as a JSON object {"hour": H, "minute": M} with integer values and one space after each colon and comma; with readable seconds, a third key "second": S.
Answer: {"hour": 2, "minute": 49}
